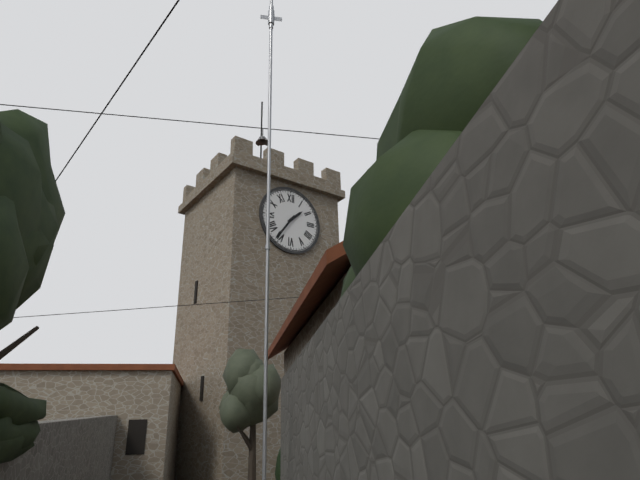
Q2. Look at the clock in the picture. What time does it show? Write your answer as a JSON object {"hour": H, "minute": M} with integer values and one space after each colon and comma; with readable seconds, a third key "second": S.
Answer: {"hour": 1, "minute": 36}
